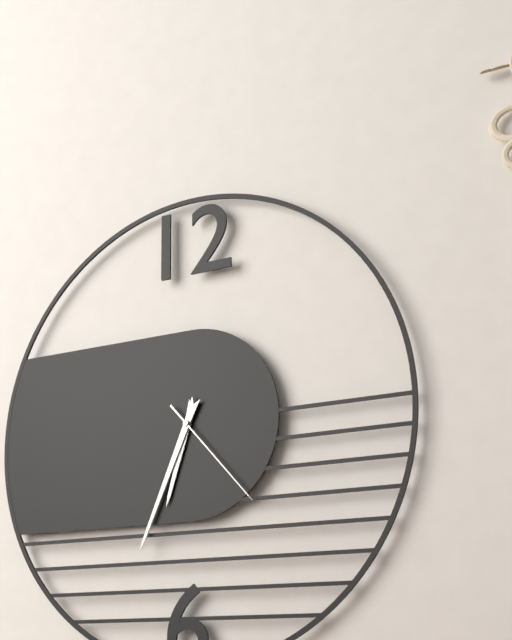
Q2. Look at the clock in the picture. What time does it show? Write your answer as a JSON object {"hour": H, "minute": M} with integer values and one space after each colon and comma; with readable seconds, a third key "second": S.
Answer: {"hour": 6, "minute": 34, "second": 23}
